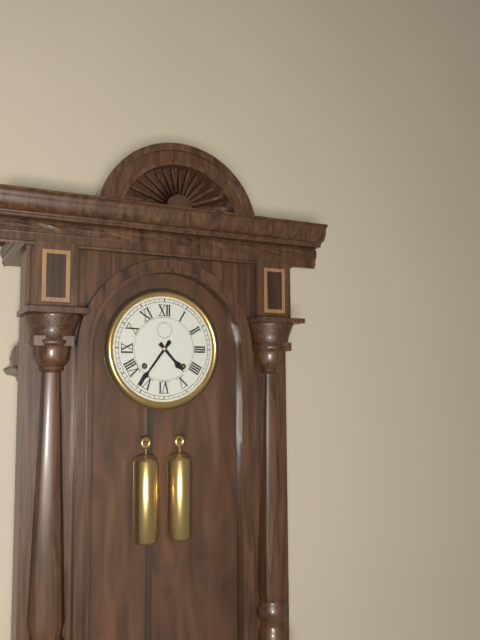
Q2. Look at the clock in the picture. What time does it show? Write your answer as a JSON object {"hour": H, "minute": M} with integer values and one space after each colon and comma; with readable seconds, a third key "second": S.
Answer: {"hour": 4, "minute": 36}
